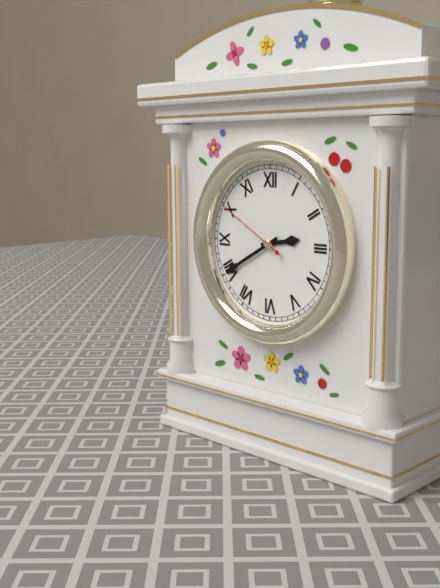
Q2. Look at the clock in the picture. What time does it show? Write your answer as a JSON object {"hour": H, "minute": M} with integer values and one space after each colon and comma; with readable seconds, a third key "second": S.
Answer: {"hour": 2, "minute": 40, "second": 50}
